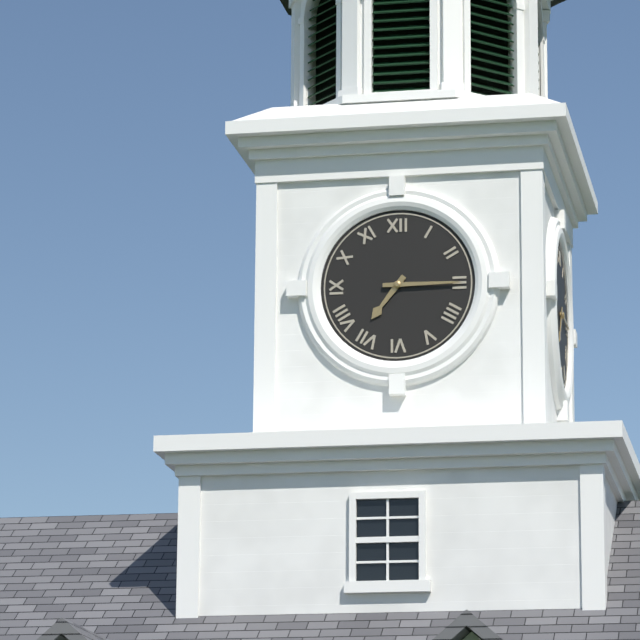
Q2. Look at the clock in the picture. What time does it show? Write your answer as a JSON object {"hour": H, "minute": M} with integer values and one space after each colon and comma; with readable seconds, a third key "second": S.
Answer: {"hour": 7, "minute": 15}
